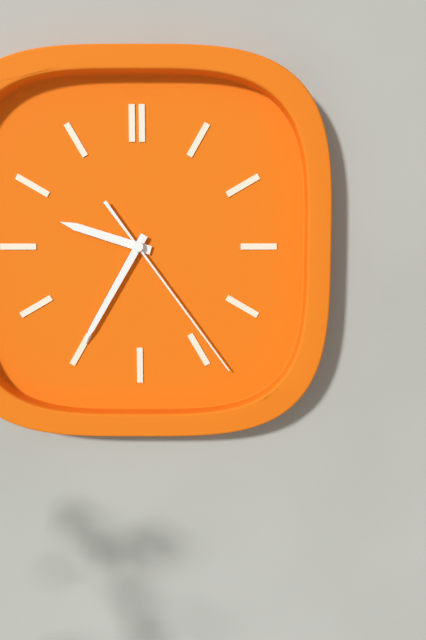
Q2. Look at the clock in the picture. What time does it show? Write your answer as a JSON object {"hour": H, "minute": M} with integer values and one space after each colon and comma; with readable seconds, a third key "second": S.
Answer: {"hour": 9, "minute": 35, "second": 24}
